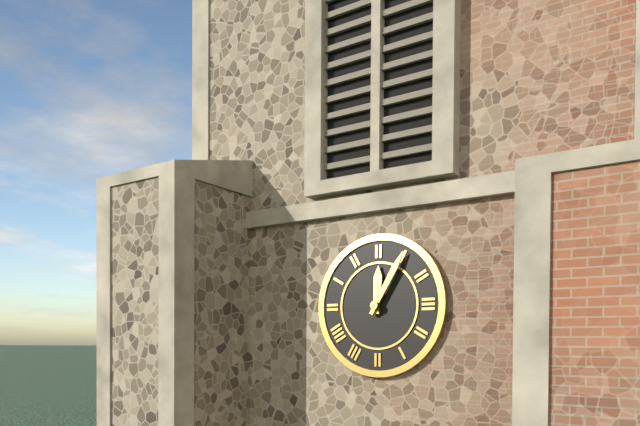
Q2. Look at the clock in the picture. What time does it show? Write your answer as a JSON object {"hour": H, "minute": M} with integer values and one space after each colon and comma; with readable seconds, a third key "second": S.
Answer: {"hour": 12, "minute": 5}
